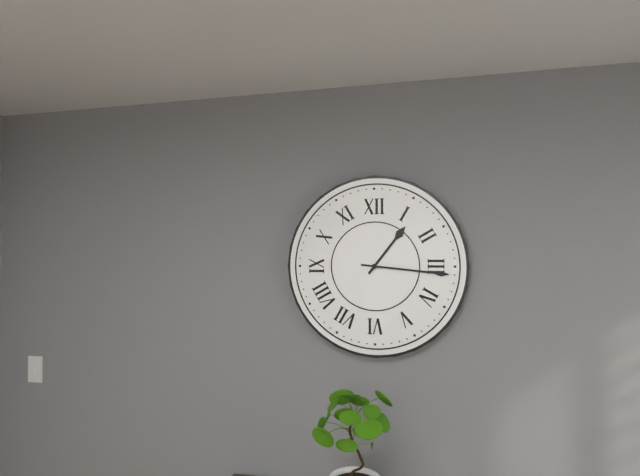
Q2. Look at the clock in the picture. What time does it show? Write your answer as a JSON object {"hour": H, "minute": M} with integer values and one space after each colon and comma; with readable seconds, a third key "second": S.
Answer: {"hour": 1, "minute": 16}
